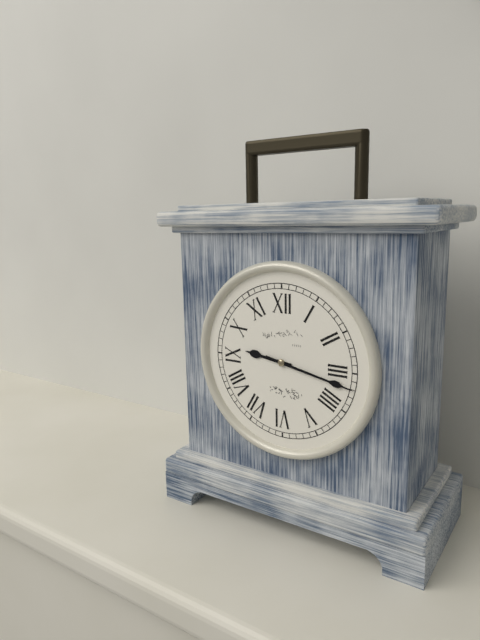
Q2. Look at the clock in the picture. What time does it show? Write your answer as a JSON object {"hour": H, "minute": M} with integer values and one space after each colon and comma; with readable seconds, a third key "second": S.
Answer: {"hour": 9, "minute": 17}
